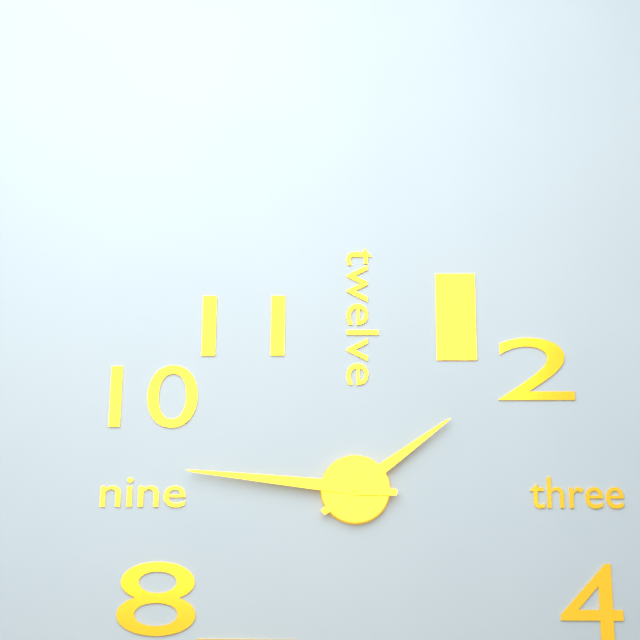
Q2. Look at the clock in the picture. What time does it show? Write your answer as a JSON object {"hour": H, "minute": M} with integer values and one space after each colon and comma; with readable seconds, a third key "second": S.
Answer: {"hour": 1, "minute": 46}
